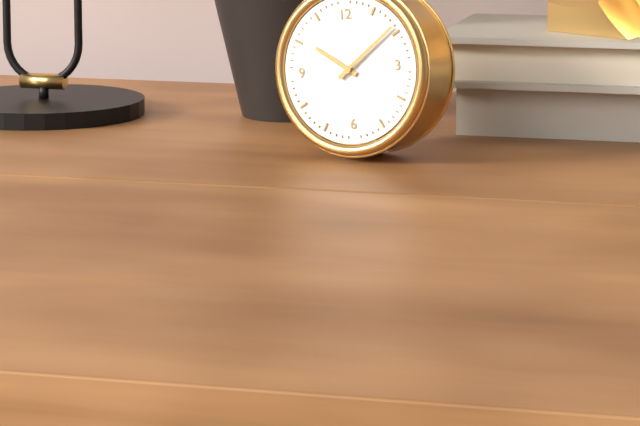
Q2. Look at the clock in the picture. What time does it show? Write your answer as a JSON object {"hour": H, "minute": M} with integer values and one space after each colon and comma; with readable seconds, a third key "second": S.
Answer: {"hour": 10, "minute": 9}
